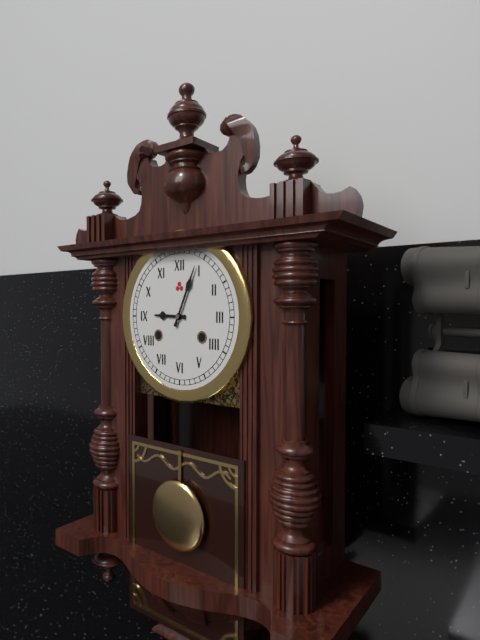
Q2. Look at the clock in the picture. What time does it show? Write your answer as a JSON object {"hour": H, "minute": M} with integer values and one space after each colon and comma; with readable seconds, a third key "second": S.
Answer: {"hour": 9, "minute": 4}
